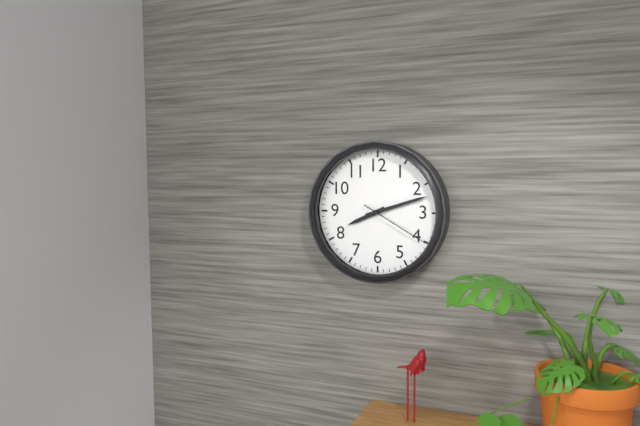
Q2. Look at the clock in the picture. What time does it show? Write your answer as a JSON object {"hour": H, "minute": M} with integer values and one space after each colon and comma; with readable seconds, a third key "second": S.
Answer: {"hour": 8, "minute": 12, "second": 20}
